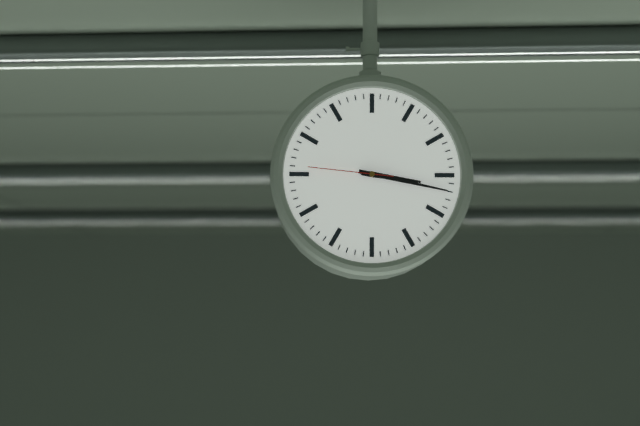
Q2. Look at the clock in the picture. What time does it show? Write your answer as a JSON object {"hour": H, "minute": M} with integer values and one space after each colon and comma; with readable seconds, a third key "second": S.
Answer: {"hour": 3, "minute": 17, "second": 46}
